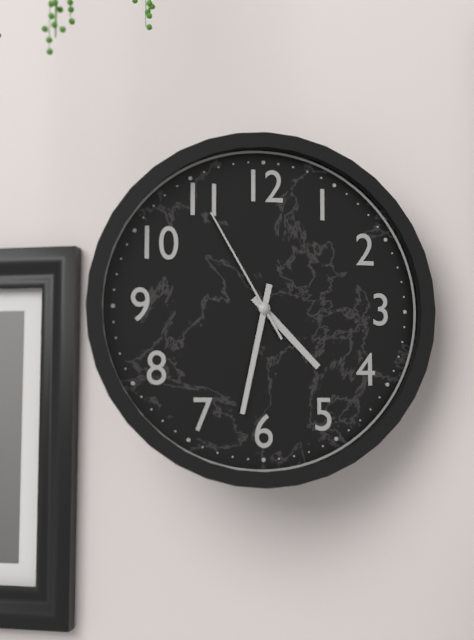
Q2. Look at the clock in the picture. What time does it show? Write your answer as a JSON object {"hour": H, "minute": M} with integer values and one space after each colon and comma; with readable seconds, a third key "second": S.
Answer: {"hour": 4, "minute": 32, "second": 55}
